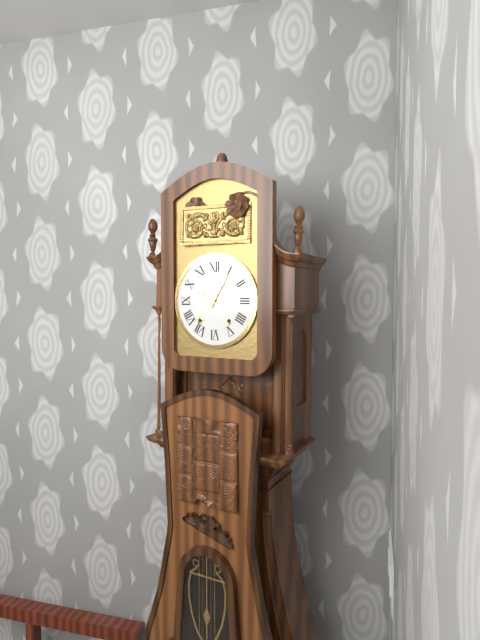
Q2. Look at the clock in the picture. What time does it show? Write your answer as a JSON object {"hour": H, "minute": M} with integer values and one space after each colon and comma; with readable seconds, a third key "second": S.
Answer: {"hour": 10, "minute": 5}
